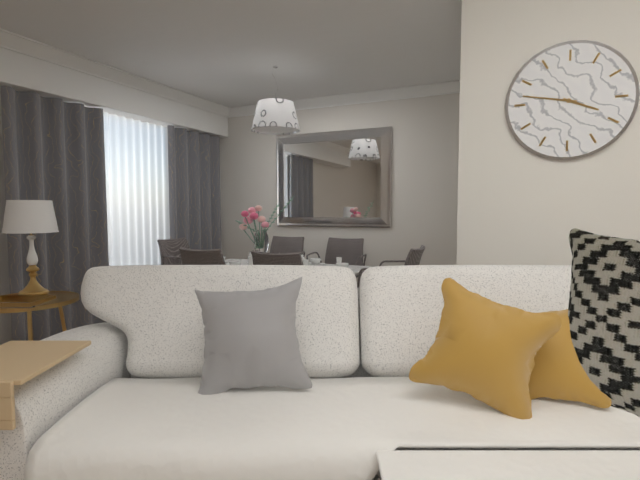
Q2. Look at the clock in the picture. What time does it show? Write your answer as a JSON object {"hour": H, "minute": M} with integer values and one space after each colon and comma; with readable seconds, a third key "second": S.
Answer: {"hour": 3, "minute": 47}
